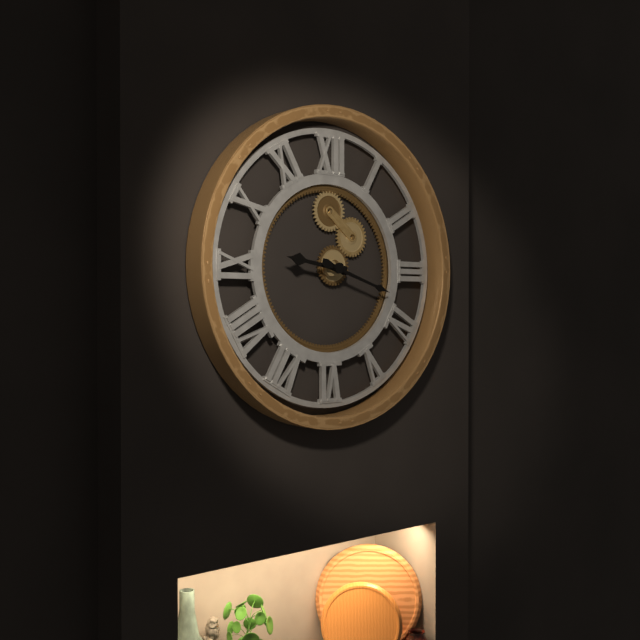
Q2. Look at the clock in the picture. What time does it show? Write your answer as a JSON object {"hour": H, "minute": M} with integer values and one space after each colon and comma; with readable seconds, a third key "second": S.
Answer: {"hour": 9, "minute": 18}
